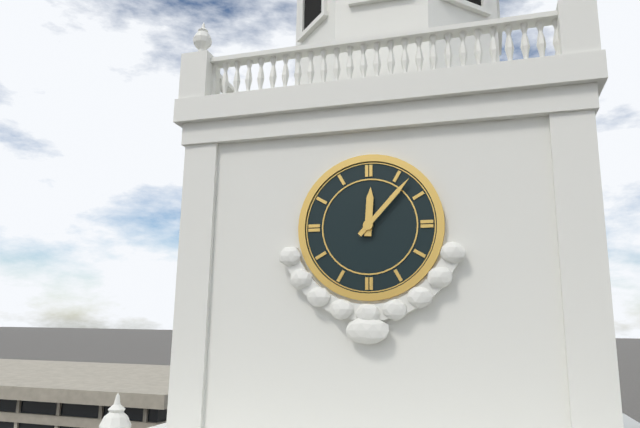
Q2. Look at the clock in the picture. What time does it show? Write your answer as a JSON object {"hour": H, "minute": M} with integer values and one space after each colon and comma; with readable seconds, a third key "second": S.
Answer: {"hour": 12, "minute": 7}
